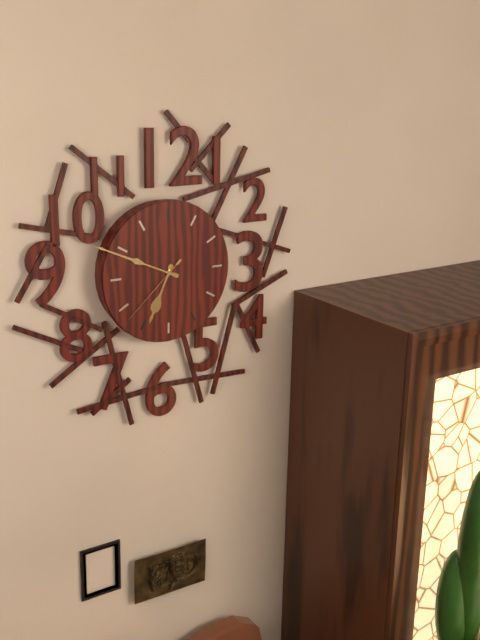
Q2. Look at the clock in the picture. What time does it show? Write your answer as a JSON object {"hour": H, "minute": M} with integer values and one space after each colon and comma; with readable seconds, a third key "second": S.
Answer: {"hour": 6, "minute": 49, "second": 38}
